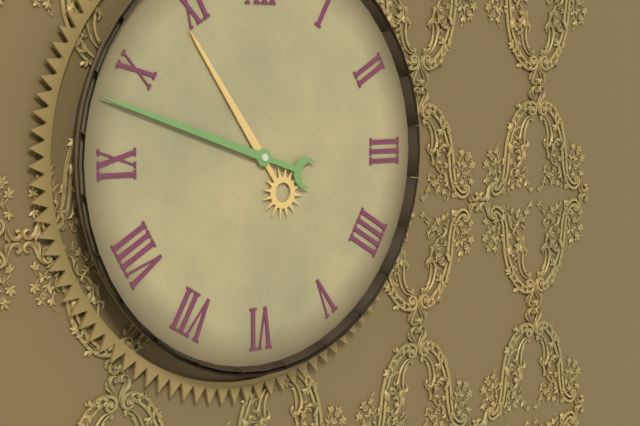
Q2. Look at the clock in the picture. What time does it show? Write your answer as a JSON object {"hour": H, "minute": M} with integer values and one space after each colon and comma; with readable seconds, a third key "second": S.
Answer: {"hour": 10, "minute": 48}
